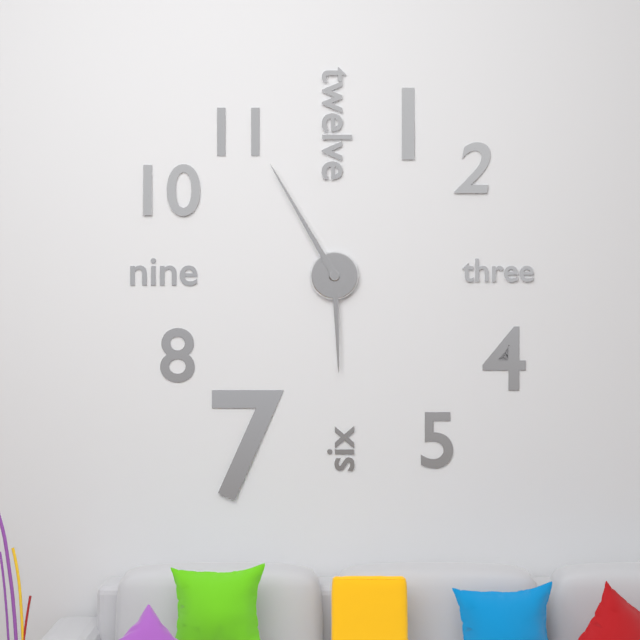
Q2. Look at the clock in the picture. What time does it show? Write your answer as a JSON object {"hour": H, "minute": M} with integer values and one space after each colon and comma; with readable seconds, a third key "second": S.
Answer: {"hour": 5, "minute": 55}
